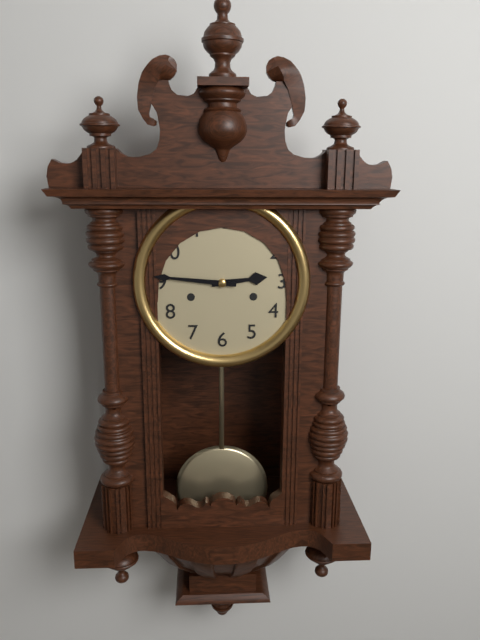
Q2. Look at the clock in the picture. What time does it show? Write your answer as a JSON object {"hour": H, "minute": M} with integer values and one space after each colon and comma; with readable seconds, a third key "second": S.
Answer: {"hour": 2, "minute": 46}
